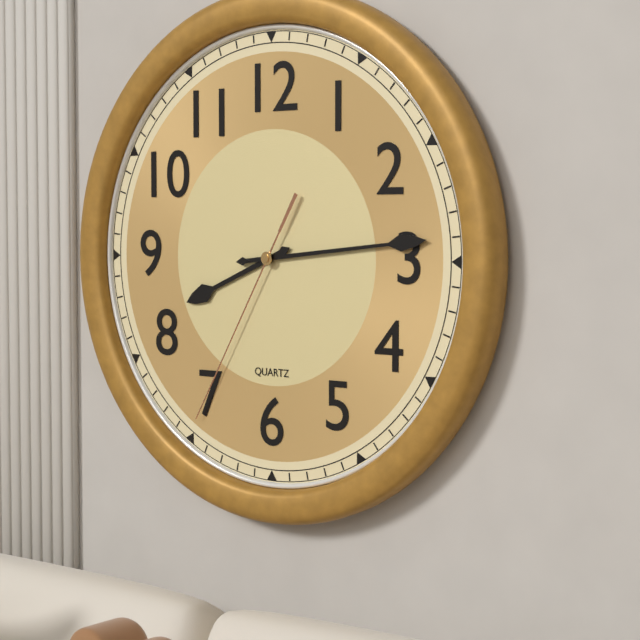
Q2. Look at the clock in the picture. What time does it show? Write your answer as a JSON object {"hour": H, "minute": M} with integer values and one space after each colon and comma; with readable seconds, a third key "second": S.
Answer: {"hour": 8, "minute": 14, "second": 35}
